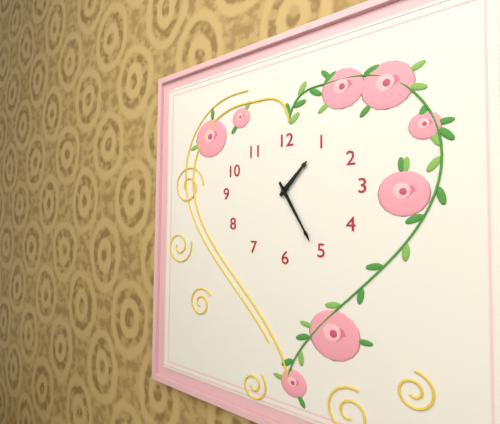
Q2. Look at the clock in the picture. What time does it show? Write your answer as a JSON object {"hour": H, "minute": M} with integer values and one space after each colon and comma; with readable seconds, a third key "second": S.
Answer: {"hour": 1, "minute": 25}
